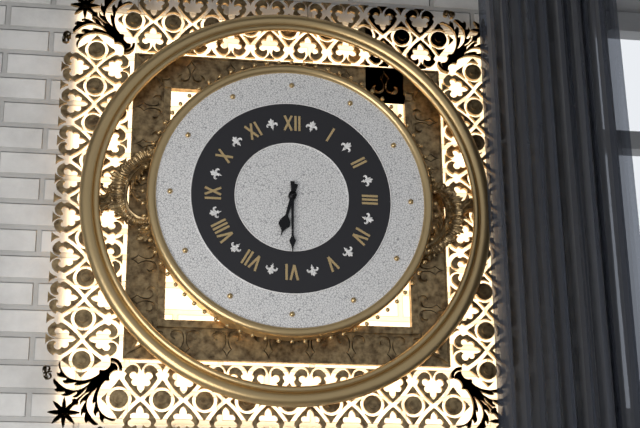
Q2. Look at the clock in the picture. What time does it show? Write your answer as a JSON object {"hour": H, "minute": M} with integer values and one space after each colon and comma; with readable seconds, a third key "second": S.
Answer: {"hour": 6, "minute": 30}
